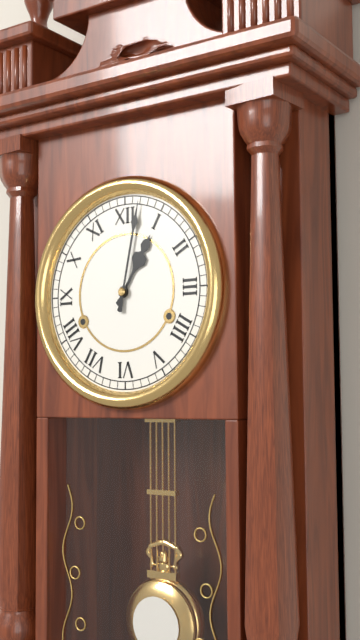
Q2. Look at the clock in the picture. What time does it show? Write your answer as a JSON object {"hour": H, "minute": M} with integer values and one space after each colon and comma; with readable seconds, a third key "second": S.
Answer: {"hour": 1, "minute": 2}
